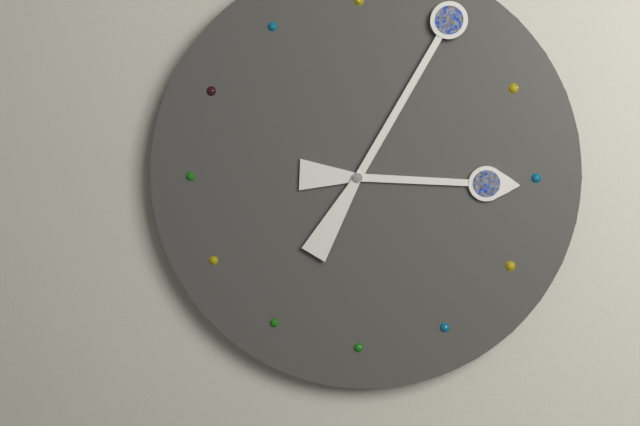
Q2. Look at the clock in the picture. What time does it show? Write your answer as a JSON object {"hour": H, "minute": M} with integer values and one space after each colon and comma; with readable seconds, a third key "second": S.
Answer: {"hour": 3, "minute": 5}
